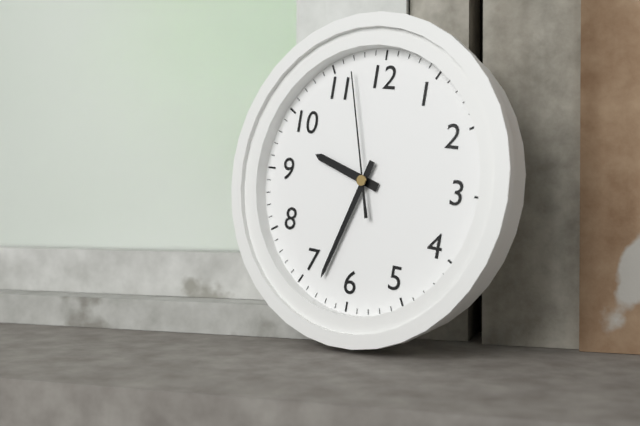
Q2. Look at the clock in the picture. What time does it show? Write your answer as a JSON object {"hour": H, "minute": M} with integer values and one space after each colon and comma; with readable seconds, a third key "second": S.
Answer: {"hour": 9, "minute": 33, "second": 57}
